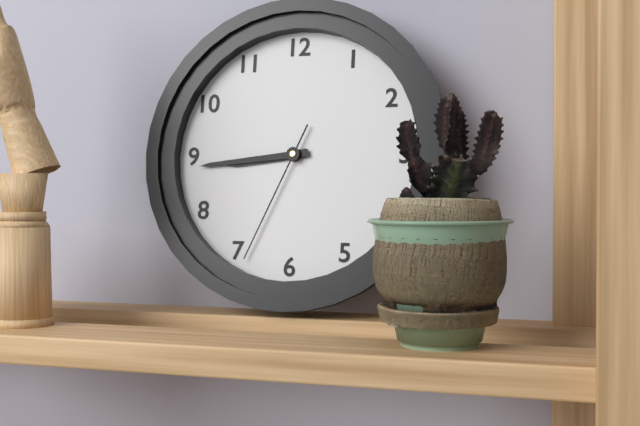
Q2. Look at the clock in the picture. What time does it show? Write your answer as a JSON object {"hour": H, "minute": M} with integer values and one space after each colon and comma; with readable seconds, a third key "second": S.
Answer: {"hour": 8, "minute": 44, "second": 34}
